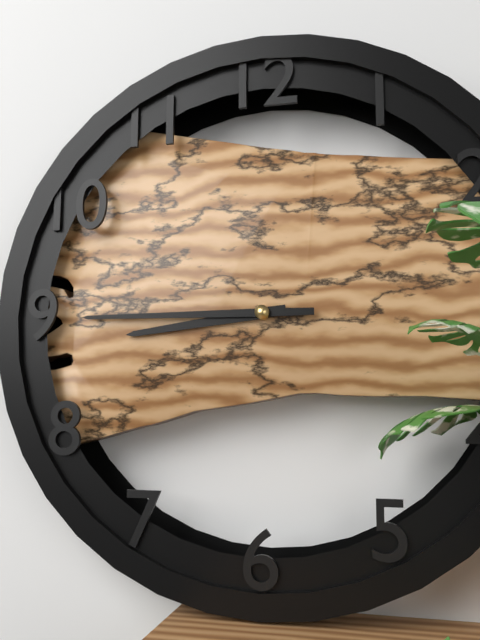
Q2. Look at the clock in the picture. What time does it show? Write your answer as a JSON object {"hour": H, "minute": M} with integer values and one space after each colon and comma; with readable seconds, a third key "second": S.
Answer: {"hour": 8, "minute": 45}
